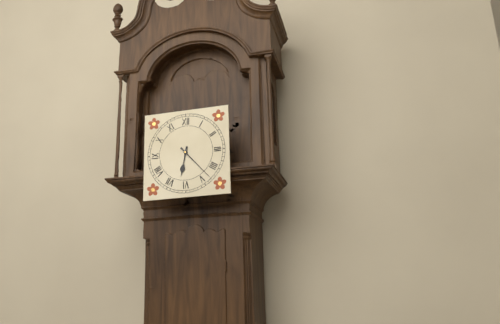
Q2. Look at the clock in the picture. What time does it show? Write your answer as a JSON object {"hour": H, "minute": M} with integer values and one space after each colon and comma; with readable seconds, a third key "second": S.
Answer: {"hour": 6, "minute": 23}
